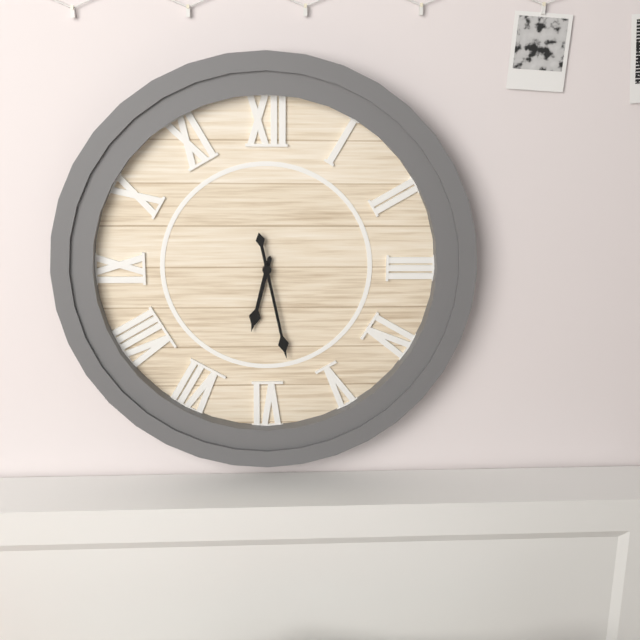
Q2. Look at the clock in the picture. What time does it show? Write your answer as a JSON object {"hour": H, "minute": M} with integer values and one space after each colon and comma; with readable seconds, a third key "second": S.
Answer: {"hour": 6, "minute": 28}
